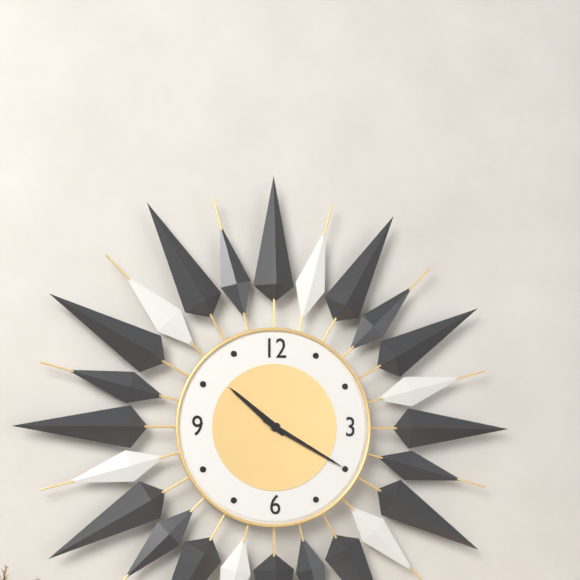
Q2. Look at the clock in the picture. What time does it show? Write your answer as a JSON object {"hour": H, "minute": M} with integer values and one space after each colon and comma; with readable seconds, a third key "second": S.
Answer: {"hour": 10, "minute": 20}
